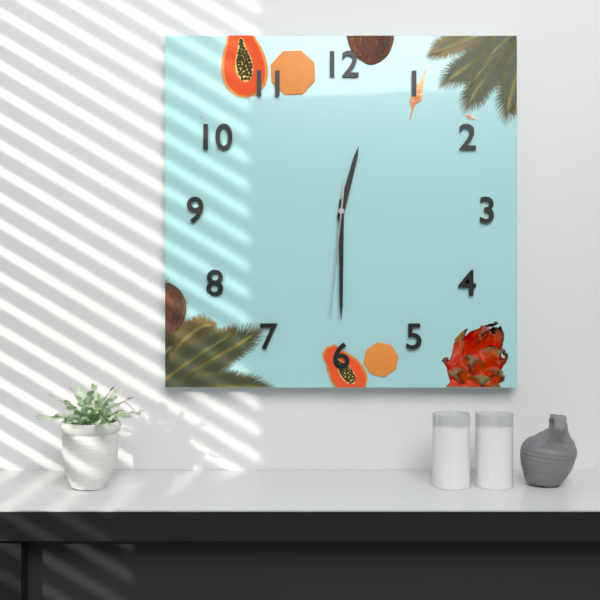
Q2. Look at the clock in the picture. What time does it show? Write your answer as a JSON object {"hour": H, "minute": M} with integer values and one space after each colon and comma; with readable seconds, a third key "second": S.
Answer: {"hour": 12, "minute": 30, "second": 31}
